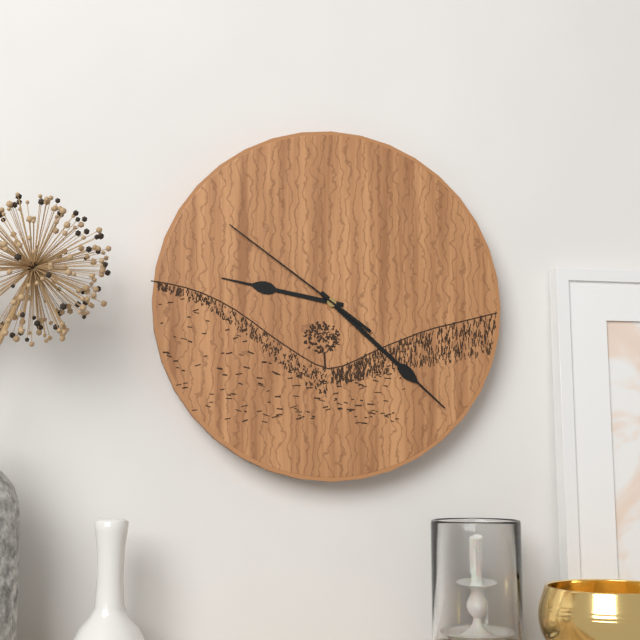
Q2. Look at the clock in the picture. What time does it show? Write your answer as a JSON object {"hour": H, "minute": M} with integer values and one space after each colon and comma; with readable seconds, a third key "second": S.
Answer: {"hour": 9, "minute": 22, "second": 51}
